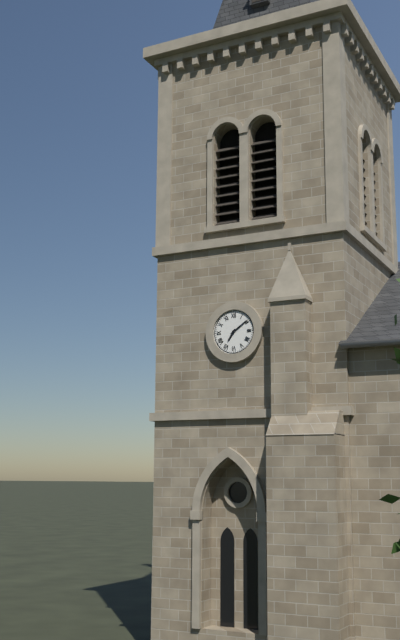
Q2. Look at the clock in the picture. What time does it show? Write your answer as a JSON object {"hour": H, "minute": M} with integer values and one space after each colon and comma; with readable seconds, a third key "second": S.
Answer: {"hour": 7, "minute": 9}
